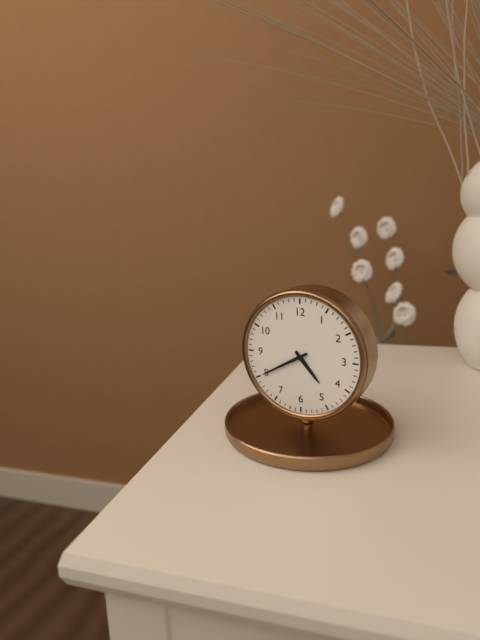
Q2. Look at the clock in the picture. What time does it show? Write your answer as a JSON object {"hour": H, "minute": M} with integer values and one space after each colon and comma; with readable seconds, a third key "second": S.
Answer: {"hour": 4, "minute": 40}
